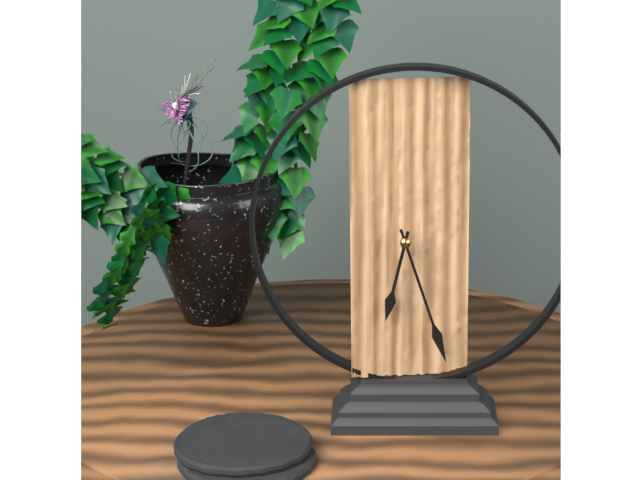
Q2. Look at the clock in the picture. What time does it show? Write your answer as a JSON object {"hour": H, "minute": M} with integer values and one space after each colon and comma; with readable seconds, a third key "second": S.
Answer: {"hour": 6, "minute": 27}
